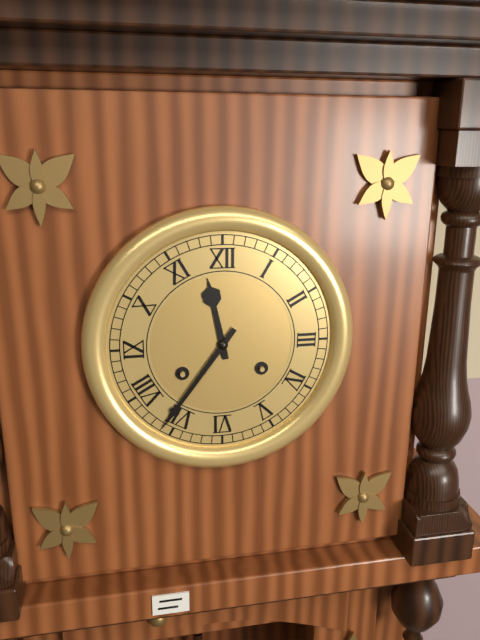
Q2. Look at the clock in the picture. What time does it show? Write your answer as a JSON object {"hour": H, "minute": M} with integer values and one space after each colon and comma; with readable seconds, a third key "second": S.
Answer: {"hour": 11, "minute": 36}
